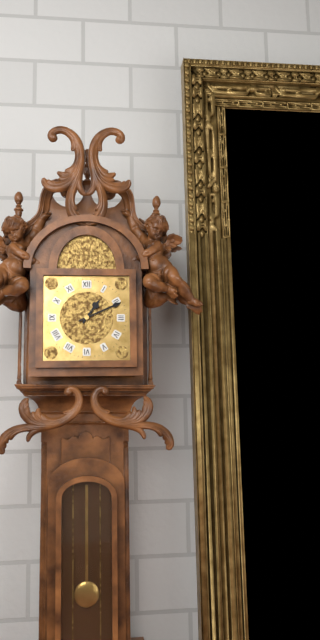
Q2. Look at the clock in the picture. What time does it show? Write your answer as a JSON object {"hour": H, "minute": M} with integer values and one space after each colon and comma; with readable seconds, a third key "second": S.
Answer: {"hour": 1, "minute": 11}
